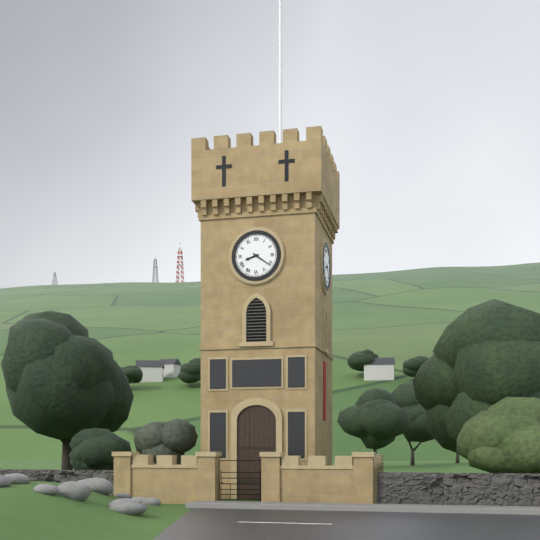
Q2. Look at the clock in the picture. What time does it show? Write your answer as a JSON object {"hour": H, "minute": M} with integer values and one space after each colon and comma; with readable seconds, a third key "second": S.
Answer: {"hour": 8, "minute": 21}
